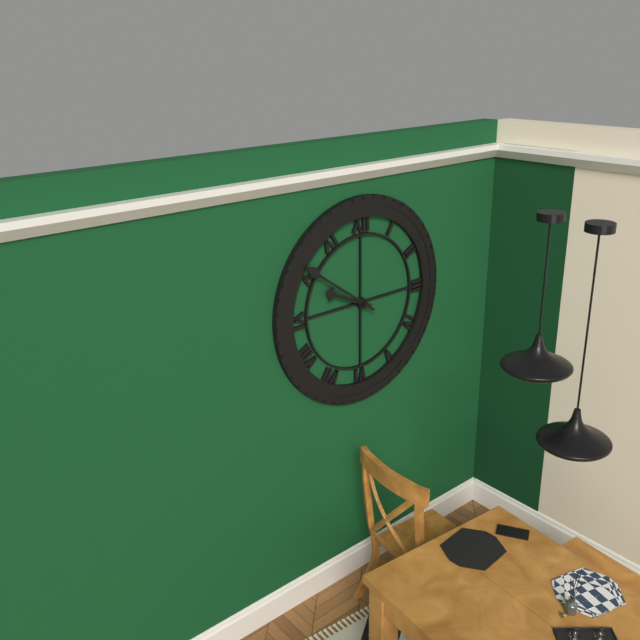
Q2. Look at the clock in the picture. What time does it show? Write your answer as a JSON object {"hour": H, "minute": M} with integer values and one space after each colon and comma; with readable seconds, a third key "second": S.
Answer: {"hour": 9, "minute": 51}
